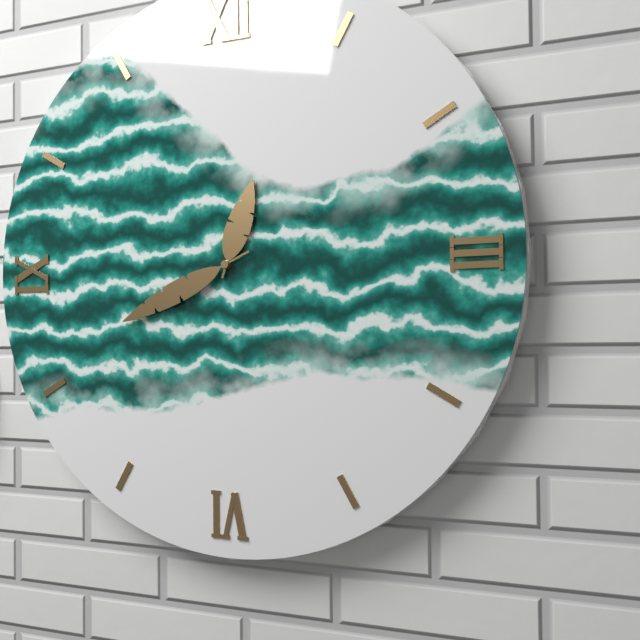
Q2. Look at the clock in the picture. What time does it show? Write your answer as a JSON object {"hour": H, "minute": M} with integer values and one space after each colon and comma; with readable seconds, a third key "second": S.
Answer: {"hour": 12, "minute": 41}
